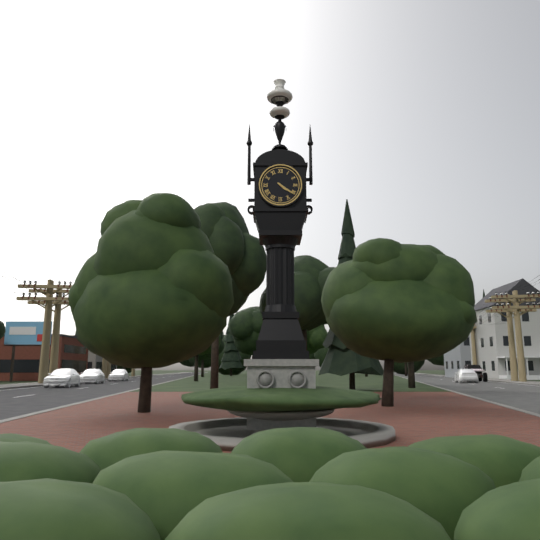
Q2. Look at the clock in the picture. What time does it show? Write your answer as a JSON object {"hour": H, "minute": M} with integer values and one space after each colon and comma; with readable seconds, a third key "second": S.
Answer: {"hour": 4, "minute": 21}
